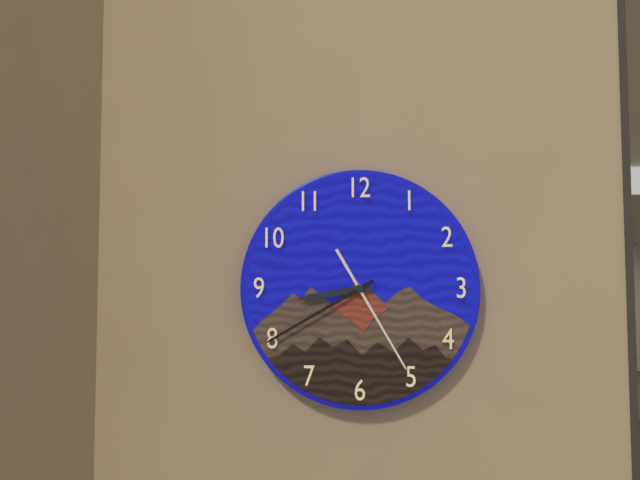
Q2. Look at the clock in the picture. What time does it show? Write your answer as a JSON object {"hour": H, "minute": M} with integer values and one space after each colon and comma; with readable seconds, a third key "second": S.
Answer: {"hour": 8, "minute": 40, "second": 25}
